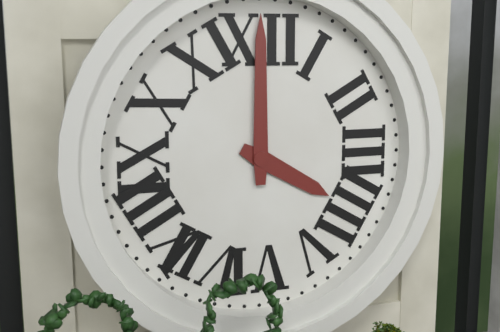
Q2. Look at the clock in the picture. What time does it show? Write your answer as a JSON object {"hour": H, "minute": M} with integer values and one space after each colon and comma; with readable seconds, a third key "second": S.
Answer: {"hour": 4, "minute": 0}
